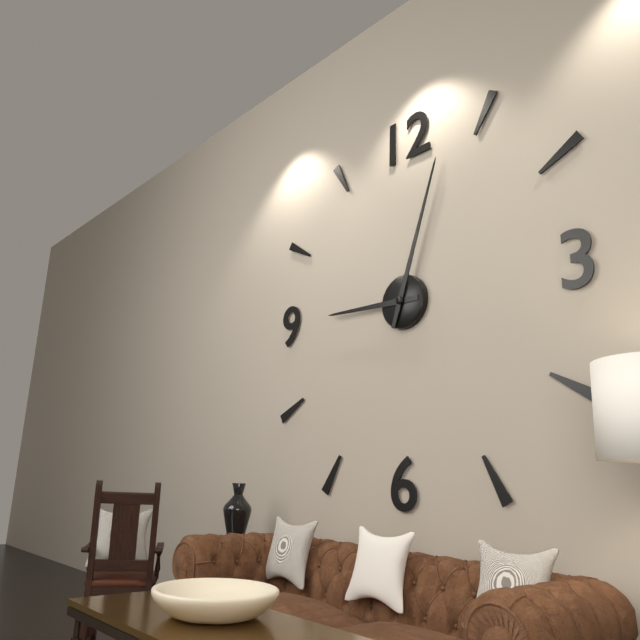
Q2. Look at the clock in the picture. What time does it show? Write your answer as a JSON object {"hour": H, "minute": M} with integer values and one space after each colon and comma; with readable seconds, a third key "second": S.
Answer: {"hour": 9, "minute": 3}
